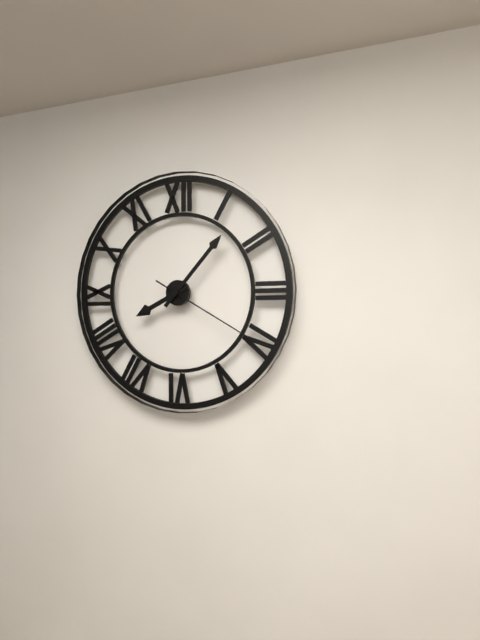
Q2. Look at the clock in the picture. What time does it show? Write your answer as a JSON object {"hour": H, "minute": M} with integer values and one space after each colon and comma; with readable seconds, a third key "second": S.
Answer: {"hour": 8, "minute": 7, "second": 20}
